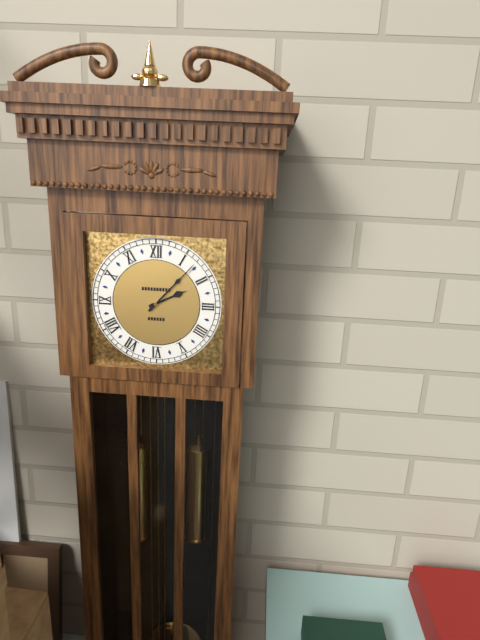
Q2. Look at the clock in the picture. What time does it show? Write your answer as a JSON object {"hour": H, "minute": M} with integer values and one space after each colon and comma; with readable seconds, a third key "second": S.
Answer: {"hour": 2, "minute": 7}
